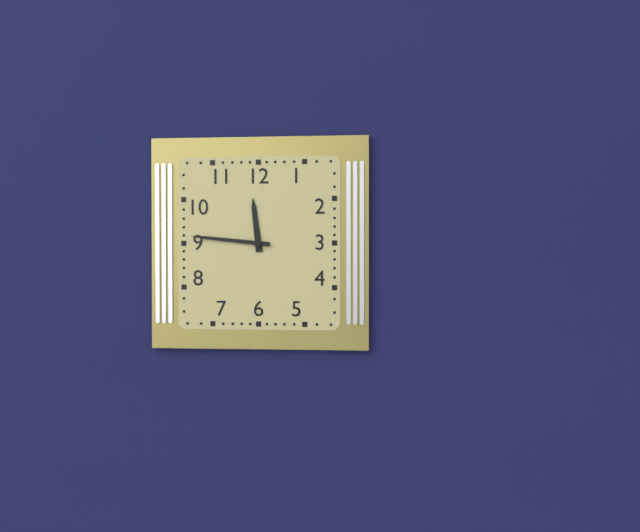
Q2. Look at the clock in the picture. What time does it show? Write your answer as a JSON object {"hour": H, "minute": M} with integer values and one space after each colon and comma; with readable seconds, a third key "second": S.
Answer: {"hour": 11, "minute": 46}
